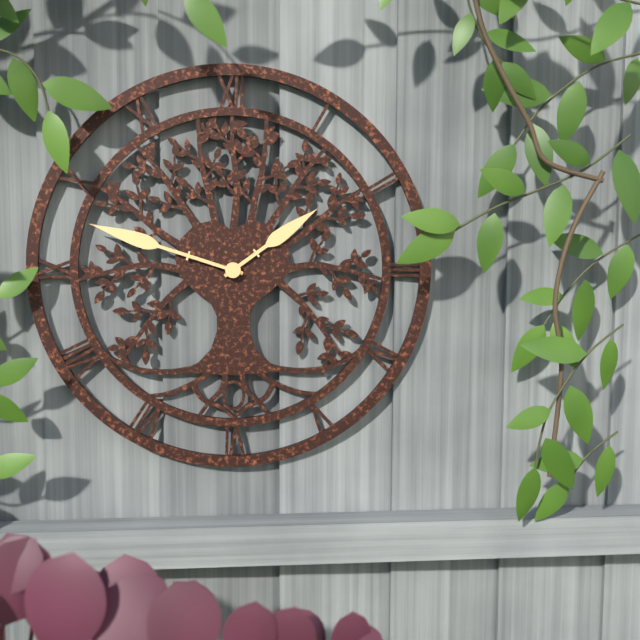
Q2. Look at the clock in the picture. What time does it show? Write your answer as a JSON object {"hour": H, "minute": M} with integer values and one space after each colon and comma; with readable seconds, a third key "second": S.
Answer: {"hour": 1, "minute": 48}
